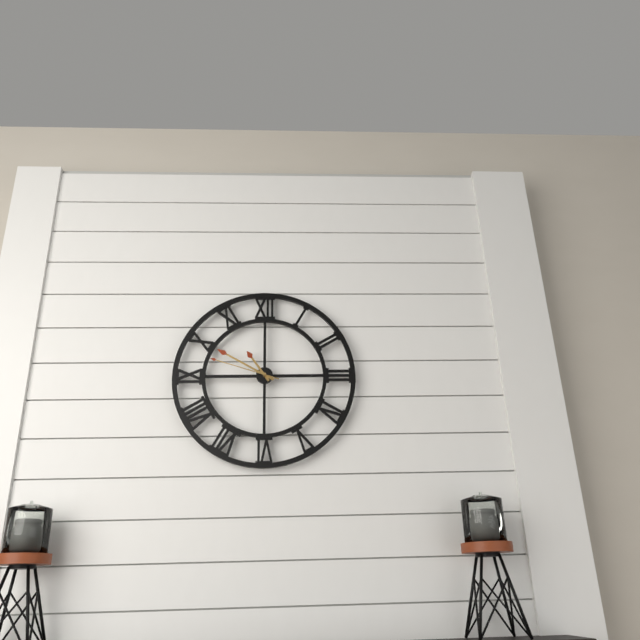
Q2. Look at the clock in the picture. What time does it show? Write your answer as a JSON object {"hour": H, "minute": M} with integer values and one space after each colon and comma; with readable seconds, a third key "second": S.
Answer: {"hour": 10, "minute": 50, "second": 48}
